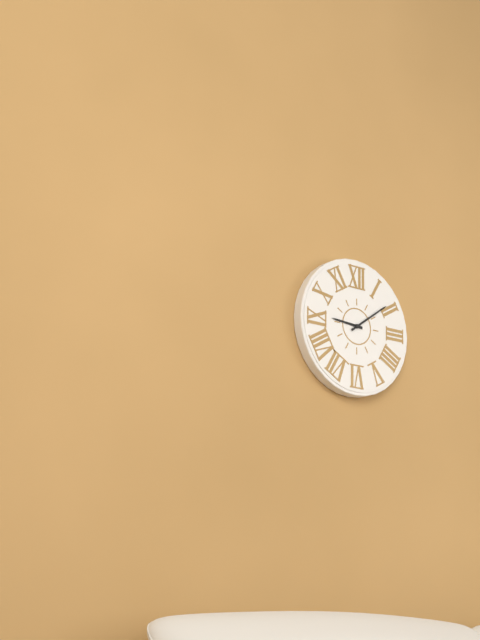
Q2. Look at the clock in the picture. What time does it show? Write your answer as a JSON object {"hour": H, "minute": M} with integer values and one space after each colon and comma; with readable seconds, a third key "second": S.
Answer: {"hour": 9, "minute": 9}
